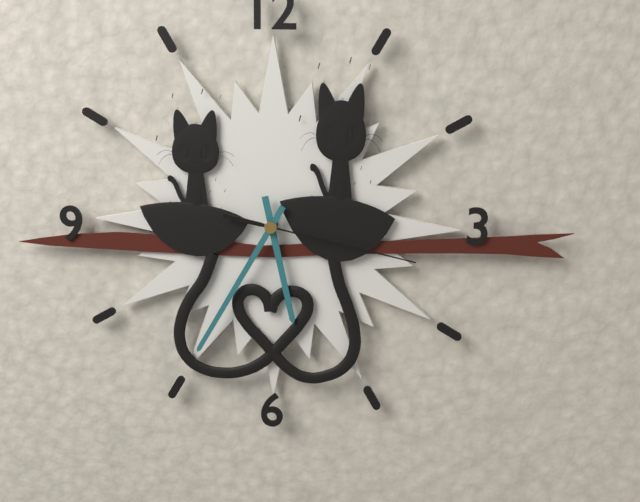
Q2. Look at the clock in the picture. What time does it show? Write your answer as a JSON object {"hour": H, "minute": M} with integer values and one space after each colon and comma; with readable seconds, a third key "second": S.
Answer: {"hour": 5, "minute": 35, "second": 17}
